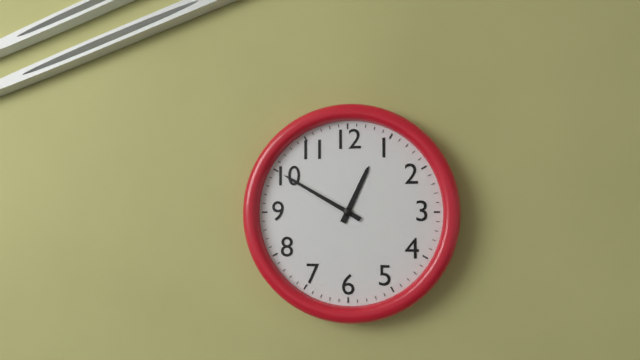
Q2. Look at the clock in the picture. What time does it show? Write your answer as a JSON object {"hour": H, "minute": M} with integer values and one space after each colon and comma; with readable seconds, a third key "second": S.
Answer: {"hour": 12, "minute": 50}
